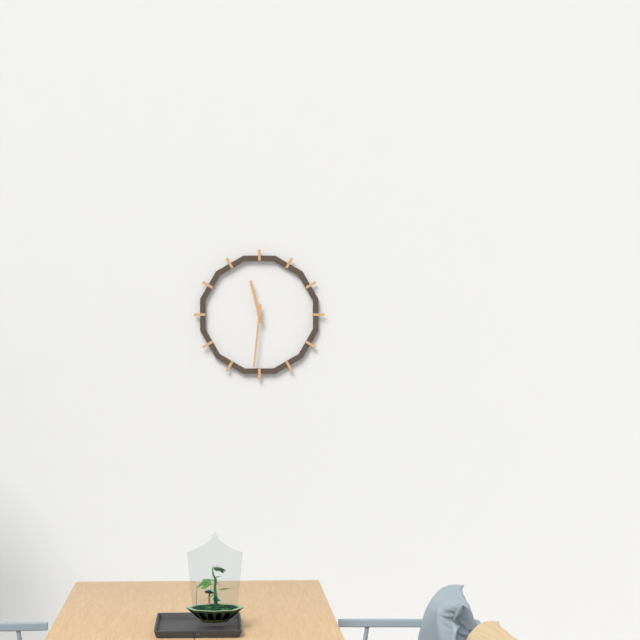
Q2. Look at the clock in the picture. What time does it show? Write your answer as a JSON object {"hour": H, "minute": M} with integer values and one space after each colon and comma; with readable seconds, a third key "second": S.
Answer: {"hour": 11, "minute": 31}
